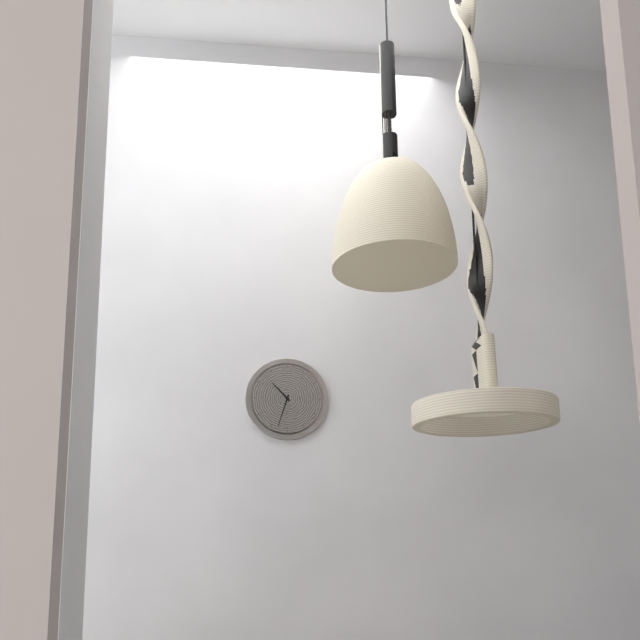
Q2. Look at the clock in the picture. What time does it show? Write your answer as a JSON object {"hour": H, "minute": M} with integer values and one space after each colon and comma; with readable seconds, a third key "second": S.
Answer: {"hour": 10, "minute": 33}
